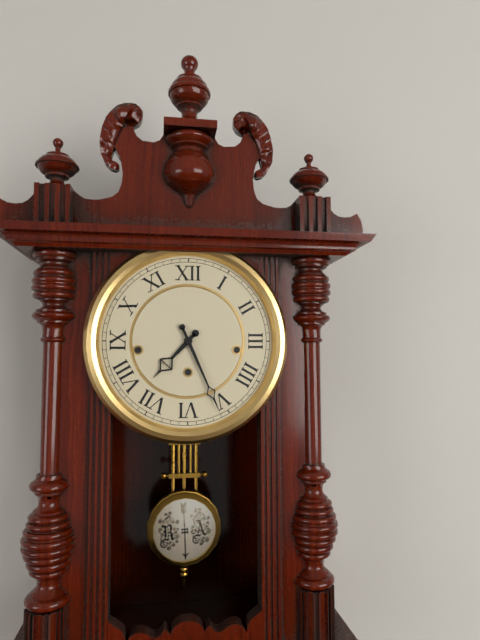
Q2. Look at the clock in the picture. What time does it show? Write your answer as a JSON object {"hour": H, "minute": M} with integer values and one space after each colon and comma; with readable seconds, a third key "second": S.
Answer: {"hour": 7, "minute": 26}
